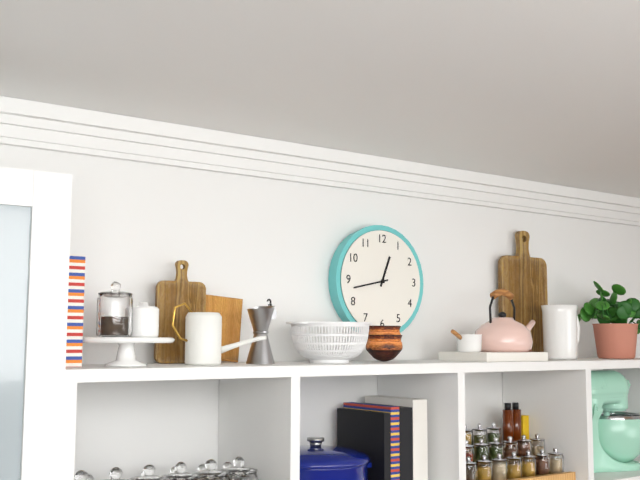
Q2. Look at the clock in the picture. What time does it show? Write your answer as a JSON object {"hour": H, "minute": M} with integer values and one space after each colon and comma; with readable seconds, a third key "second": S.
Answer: {"hour": 12, "minute": 43}
